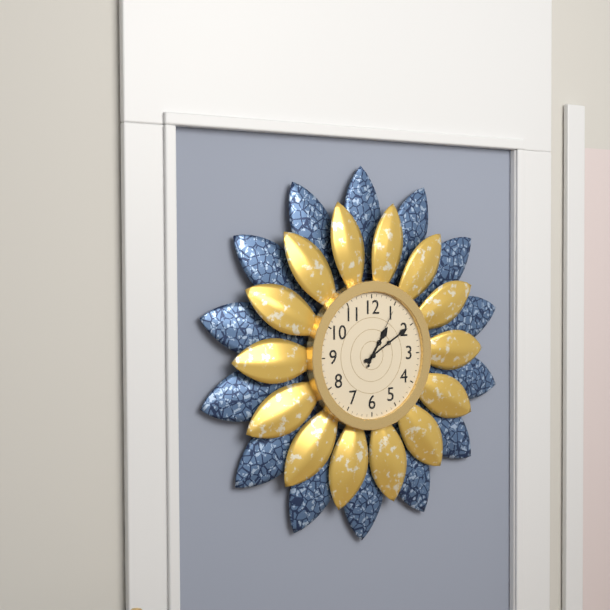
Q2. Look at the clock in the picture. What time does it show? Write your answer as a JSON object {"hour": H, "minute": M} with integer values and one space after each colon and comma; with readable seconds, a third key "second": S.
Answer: {"hour": 1, "minute": 10, "second": 5}
